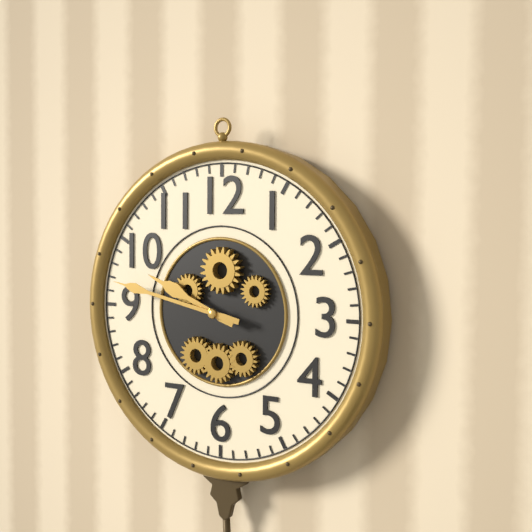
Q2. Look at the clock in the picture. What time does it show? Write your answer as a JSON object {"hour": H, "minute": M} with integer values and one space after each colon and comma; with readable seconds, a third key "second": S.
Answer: {"hour": 9, "minute": 47}
